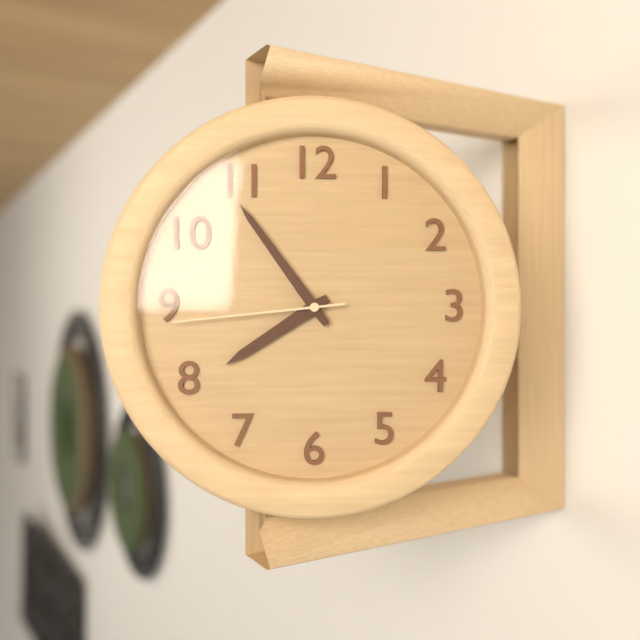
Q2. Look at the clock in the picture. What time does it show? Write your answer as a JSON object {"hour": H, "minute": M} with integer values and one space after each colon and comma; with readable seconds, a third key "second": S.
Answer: {"hour": 7, "minute": 54, "second": 44}
